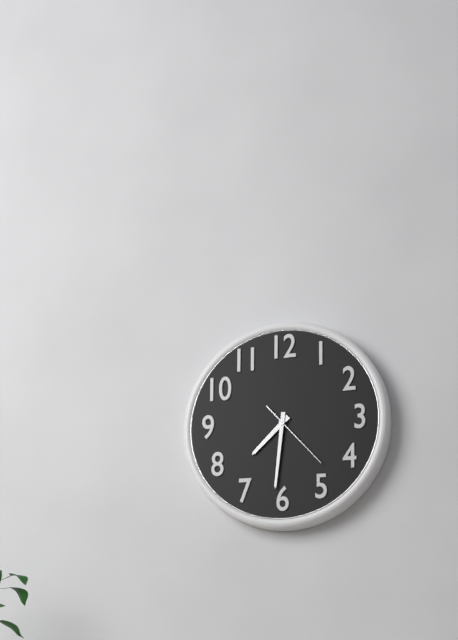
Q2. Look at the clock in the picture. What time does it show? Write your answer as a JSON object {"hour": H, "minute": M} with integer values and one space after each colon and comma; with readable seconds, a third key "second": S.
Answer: {"hour": 7, "minute": 31, "second": 23}
